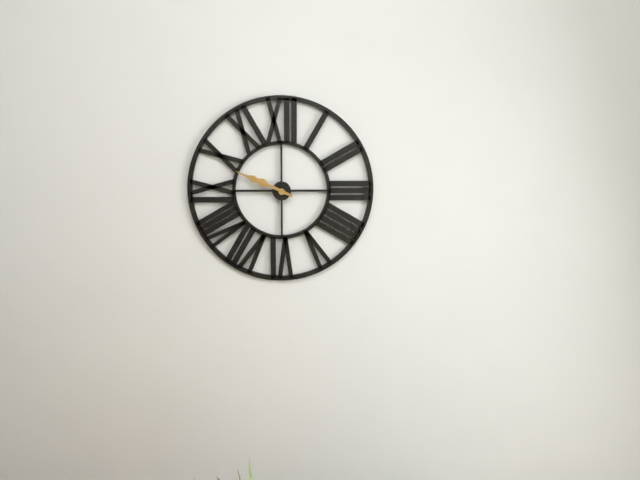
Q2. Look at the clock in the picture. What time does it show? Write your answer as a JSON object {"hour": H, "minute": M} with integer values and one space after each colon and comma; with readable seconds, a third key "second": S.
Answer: {"hour": 9, "minute": 49}
